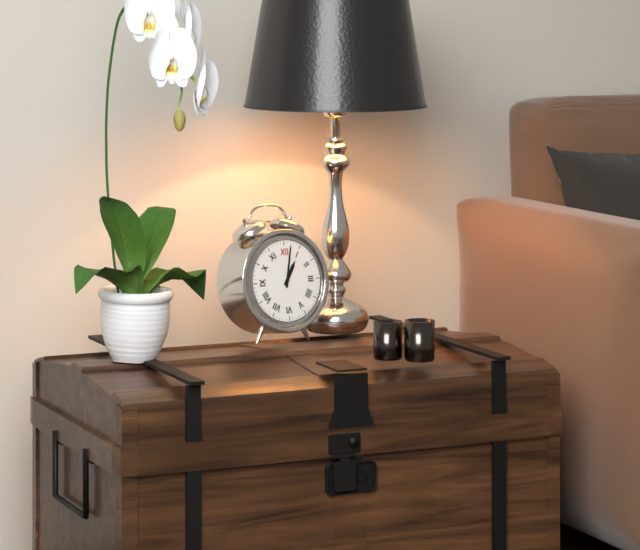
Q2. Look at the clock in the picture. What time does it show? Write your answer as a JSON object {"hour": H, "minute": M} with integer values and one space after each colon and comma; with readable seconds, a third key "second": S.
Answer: {"hour": 1, "minute": 2}
